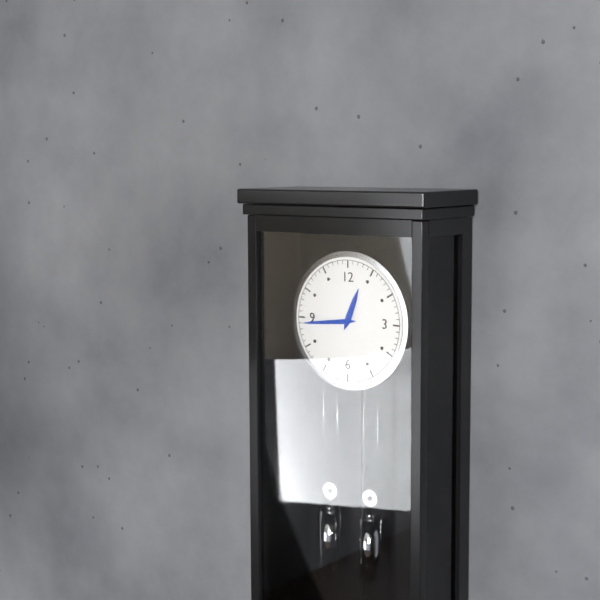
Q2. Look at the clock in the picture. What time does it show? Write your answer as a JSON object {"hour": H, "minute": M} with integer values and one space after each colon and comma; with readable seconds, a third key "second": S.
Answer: {"hour": 12, "minute": 44}
